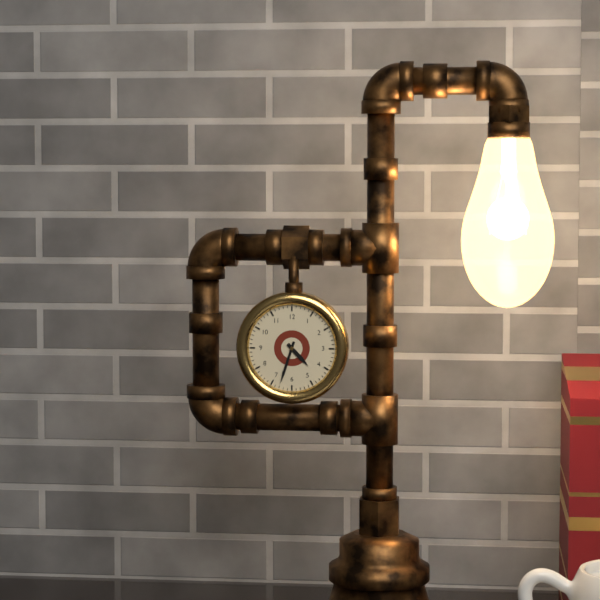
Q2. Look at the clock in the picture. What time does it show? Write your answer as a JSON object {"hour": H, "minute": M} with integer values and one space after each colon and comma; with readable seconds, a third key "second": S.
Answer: {"hour": 4, "minute": 33}
